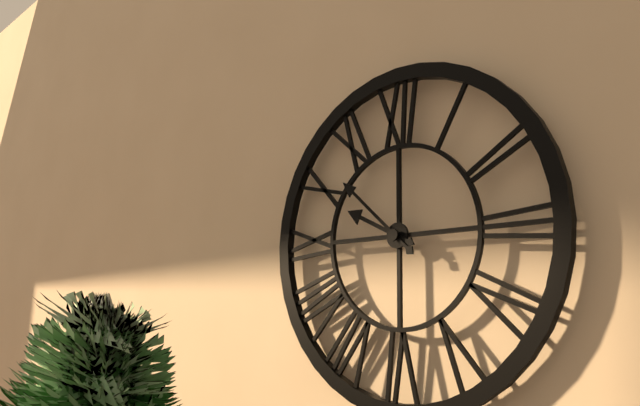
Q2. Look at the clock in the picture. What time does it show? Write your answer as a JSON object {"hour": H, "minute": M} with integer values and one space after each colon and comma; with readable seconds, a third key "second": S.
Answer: {"hour": 9, "minute": 52}
